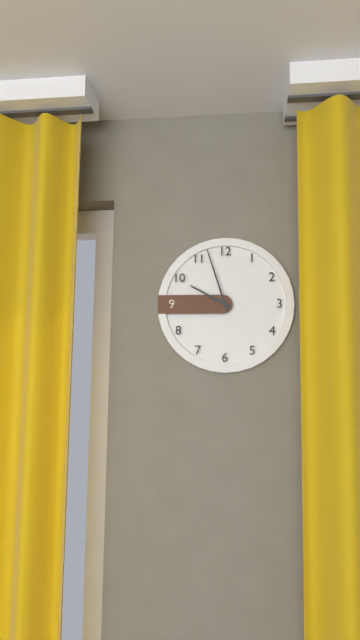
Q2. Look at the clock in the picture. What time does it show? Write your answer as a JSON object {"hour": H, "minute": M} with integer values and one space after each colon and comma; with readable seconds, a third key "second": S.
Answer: {"hour": 9, "minute": 57}
